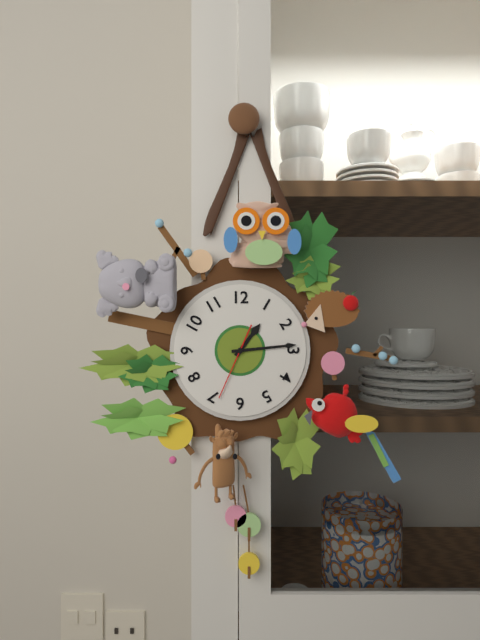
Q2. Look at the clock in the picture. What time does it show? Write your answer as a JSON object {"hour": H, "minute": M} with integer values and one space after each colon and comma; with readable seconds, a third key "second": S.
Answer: {"hour": 1, "minute": 14, "second": 34}
